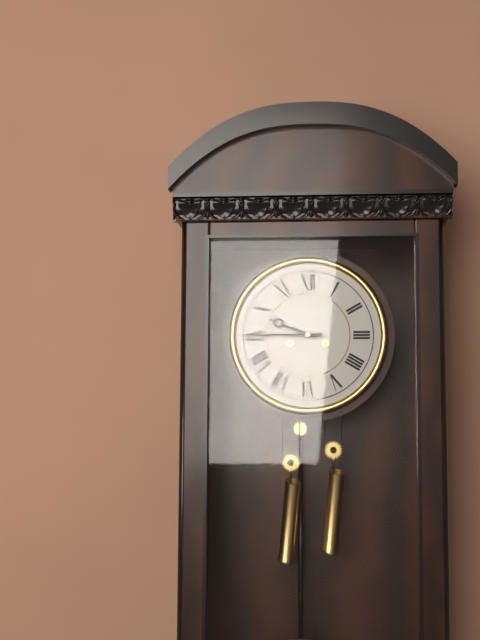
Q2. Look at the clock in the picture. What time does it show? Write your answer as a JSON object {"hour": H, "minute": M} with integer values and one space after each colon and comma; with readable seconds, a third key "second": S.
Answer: {"hour": 9, "minute": 45}
